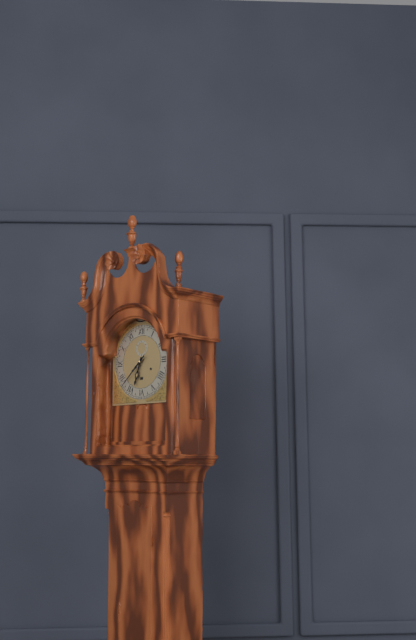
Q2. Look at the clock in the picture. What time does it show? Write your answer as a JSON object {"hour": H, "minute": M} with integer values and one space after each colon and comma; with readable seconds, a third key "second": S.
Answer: {"hour": 6, "minute": 38}
